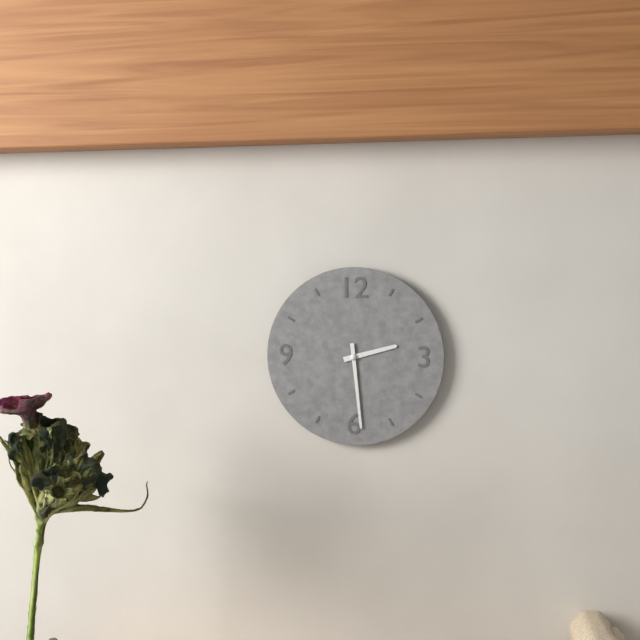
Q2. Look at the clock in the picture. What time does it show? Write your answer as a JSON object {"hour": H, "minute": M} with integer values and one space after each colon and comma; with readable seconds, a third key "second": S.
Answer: {"hour": 2, "minute": 29}
